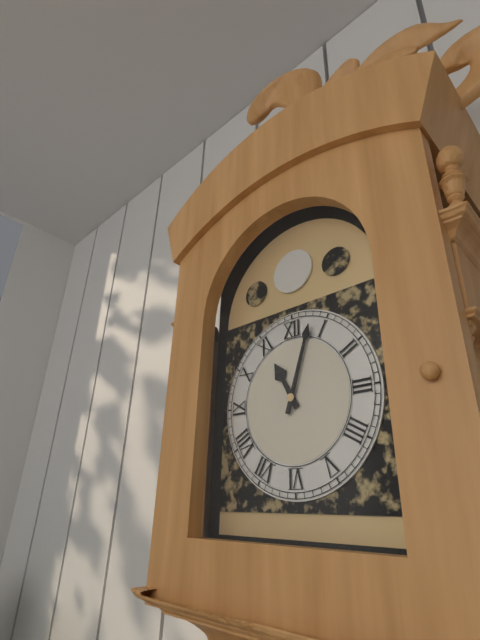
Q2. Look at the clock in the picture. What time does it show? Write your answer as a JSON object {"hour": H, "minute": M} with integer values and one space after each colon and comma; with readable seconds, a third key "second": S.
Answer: {"hour": 11, "minute": 3}
